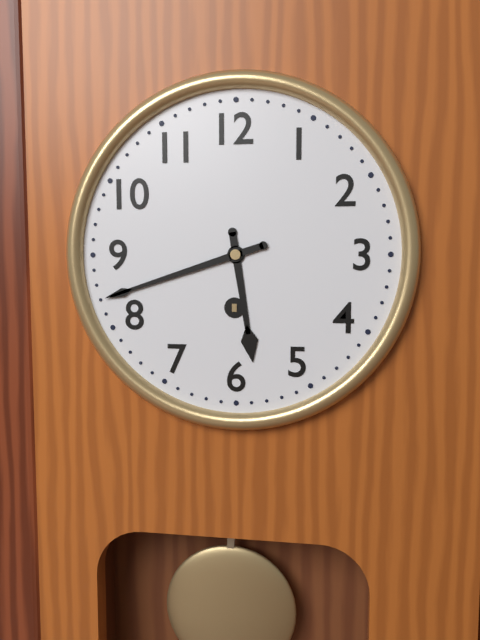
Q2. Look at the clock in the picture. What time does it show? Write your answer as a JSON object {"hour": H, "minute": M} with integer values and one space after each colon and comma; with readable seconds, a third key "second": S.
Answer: {"hour": 5, "minute": 42}
